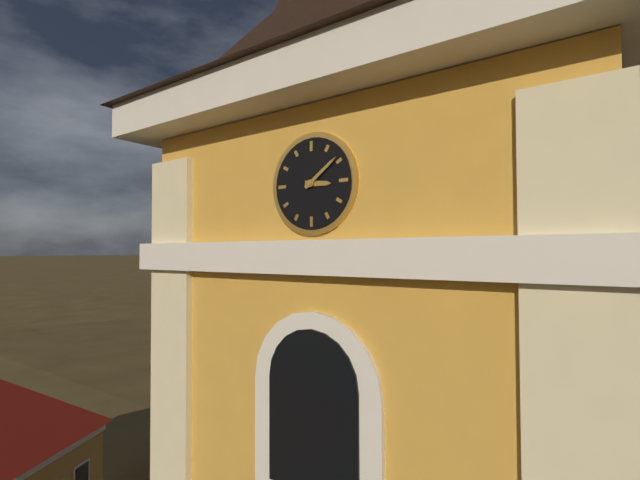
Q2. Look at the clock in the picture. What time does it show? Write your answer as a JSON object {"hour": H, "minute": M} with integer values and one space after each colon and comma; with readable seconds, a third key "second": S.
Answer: {"hour": 3, "minute": 9}
